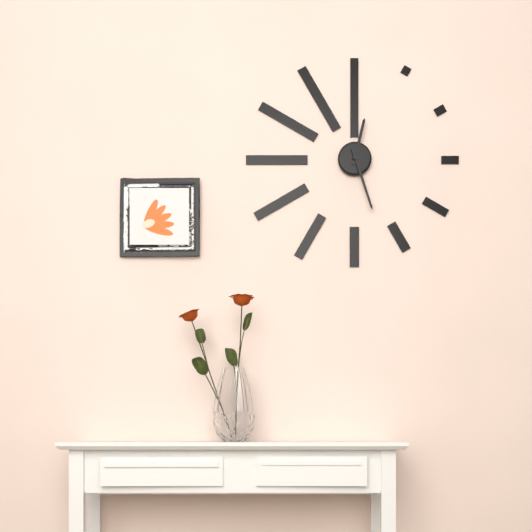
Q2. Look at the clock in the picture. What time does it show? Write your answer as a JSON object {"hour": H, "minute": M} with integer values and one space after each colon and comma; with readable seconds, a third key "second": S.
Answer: {"hour": 12, "minute": 27}
